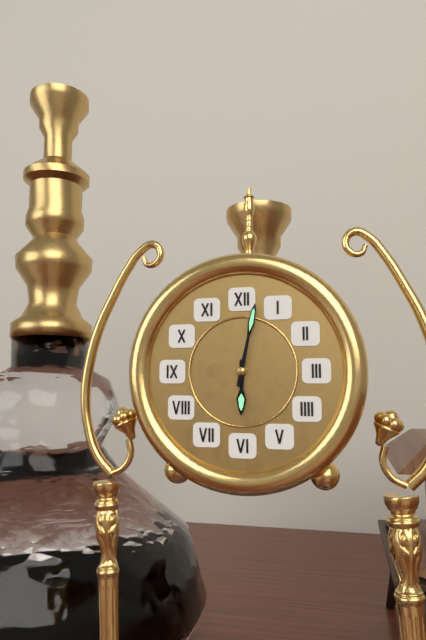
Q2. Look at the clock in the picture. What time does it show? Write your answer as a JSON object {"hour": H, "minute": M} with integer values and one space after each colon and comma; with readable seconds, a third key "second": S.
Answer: {"hour": 6, "minute": 2}
